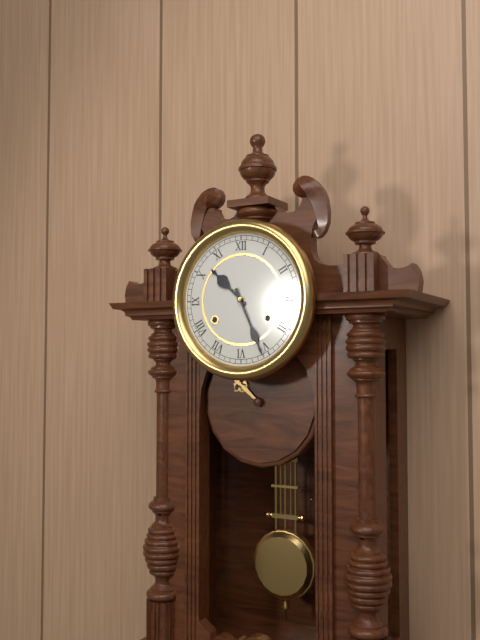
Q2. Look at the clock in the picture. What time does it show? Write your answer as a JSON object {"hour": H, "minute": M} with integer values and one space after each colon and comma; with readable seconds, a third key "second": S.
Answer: {"hour": 10, "minute": 26}
